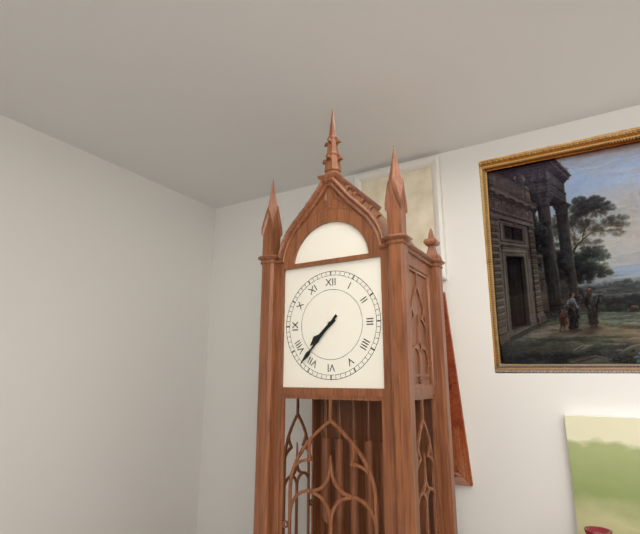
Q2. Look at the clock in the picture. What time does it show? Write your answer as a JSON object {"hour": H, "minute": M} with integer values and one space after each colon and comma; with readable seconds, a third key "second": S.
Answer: {"hour": 7, "minute": 37}
